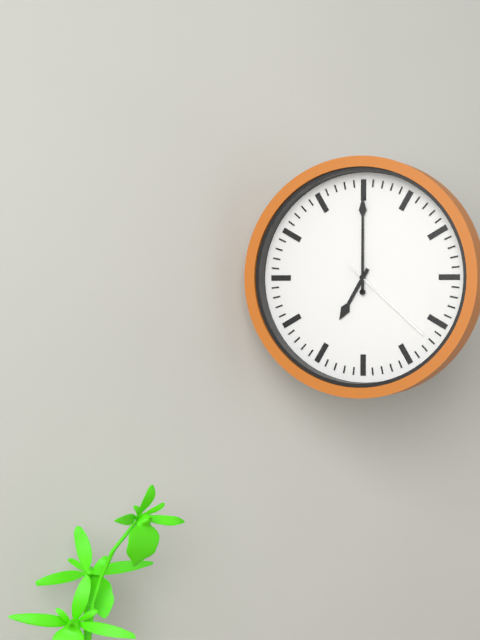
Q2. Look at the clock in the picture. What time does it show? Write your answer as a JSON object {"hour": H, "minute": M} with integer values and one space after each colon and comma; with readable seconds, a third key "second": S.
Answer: {"hour": 7, "minute": 0, "second": 22}
